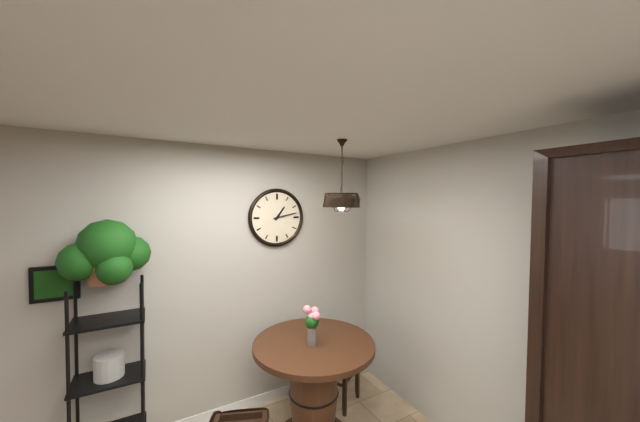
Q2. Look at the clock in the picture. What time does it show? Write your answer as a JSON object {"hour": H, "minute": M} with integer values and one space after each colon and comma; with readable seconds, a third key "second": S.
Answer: {"hour": 1, "minute": 13}
